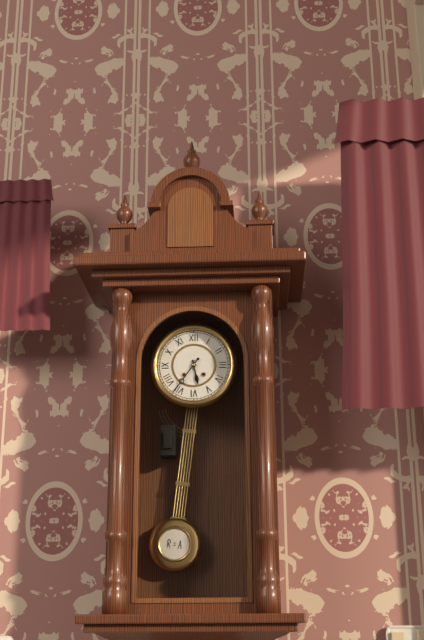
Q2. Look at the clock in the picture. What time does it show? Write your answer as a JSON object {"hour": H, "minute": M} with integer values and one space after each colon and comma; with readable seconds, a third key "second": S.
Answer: {"hour": 5, "minute": 36}
